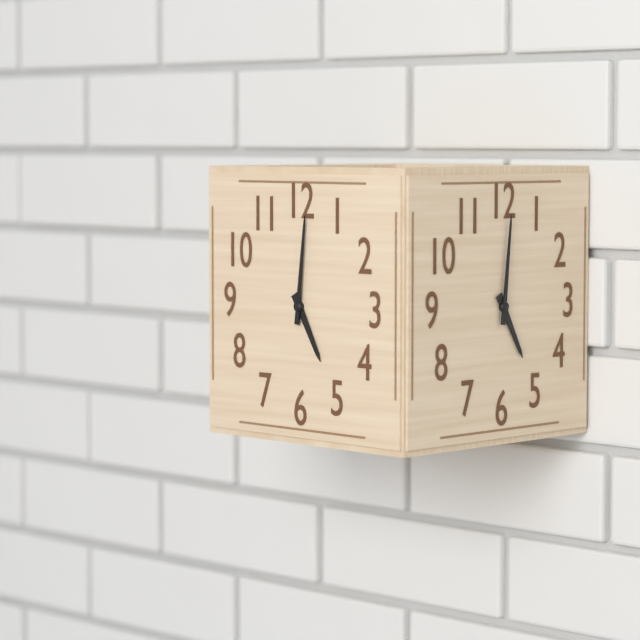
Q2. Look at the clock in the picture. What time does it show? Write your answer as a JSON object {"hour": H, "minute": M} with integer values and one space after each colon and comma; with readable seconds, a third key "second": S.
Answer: {"hour": 5, "minute": 1}
